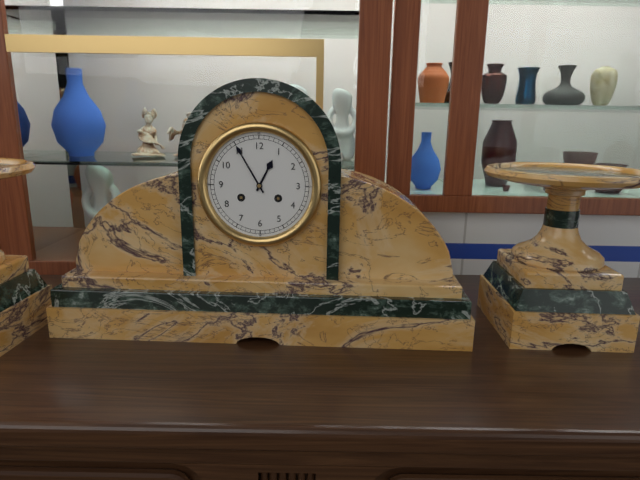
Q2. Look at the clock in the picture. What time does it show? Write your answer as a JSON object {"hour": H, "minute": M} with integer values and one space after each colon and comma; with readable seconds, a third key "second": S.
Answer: {"hour": 12, "minute": 55}
